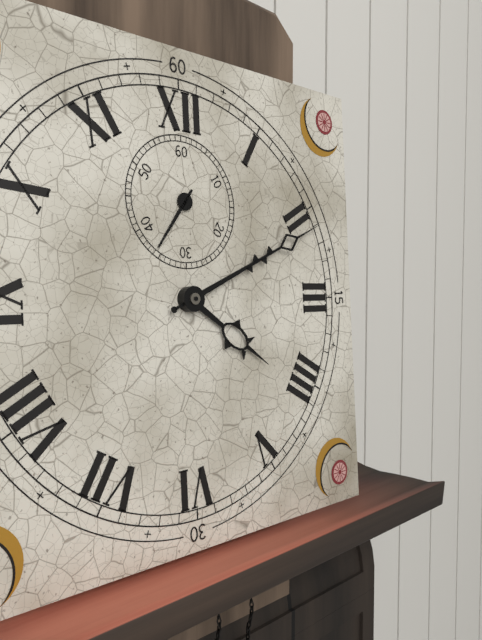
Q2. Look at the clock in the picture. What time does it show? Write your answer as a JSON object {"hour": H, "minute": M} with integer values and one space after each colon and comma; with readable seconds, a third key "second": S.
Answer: {"hour": 4, "minute": 11, "second": 36}
